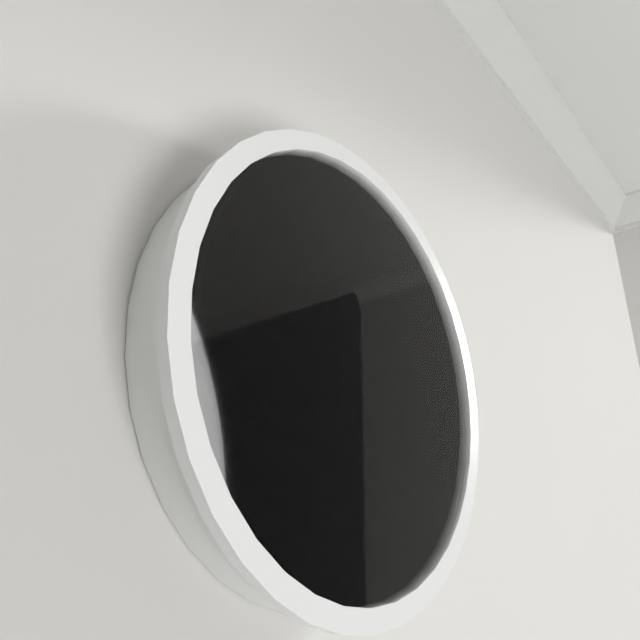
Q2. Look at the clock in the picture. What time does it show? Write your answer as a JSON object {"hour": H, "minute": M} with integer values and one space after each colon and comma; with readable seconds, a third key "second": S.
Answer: {"hour": 11, "minute": 20}
